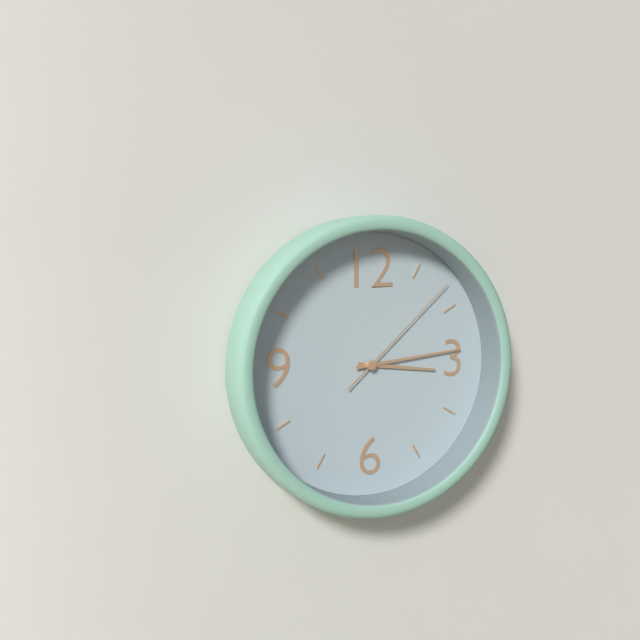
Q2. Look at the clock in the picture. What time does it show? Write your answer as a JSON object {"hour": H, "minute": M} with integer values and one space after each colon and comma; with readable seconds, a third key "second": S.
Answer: {"hour": 3, "minute": 14, "second": 8}
